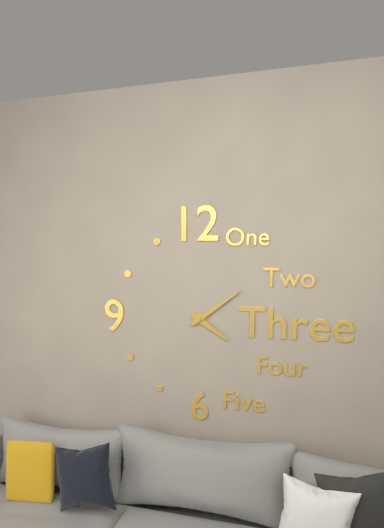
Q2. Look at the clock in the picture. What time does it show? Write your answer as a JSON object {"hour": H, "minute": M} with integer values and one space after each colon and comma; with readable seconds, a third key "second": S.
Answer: {"hour": 4, "minute": 9}
